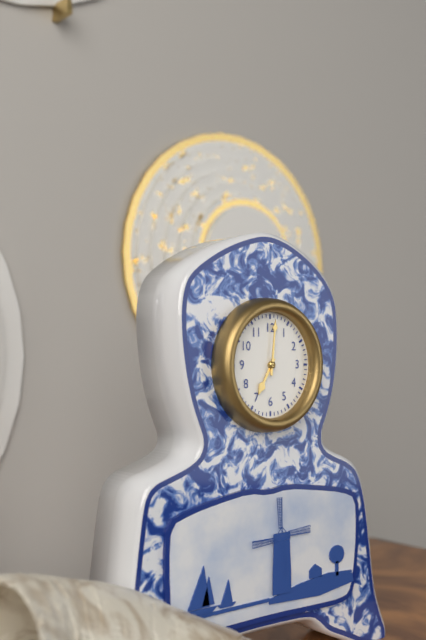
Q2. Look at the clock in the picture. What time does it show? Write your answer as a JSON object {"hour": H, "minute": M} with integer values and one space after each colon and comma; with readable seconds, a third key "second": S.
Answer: {"hour": 7, "minute": 1}
